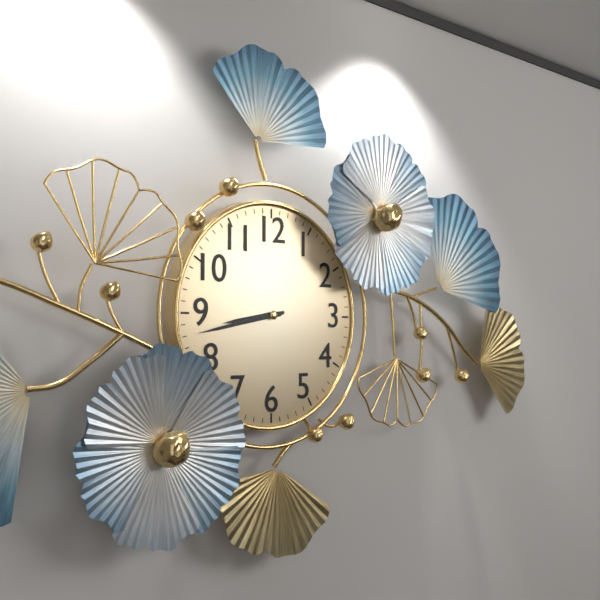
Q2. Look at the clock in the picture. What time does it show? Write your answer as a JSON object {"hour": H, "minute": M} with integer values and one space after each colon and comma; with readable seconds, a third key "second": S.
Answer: {"hour": 8, "minute": 43}
